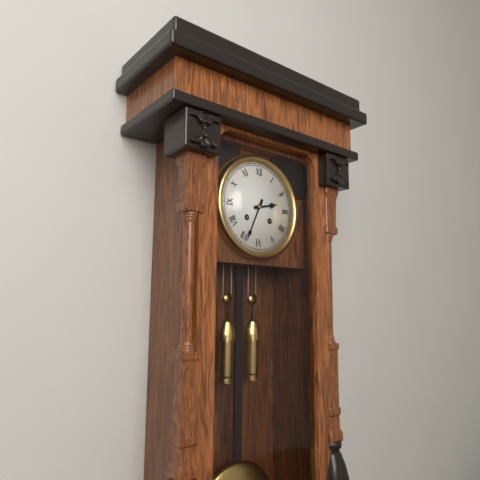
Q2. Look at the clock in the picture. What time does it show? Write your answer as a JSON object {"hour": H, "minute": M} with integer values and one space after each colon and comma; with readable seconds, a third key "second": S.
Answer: {"hour": 2, "minute": 34}
